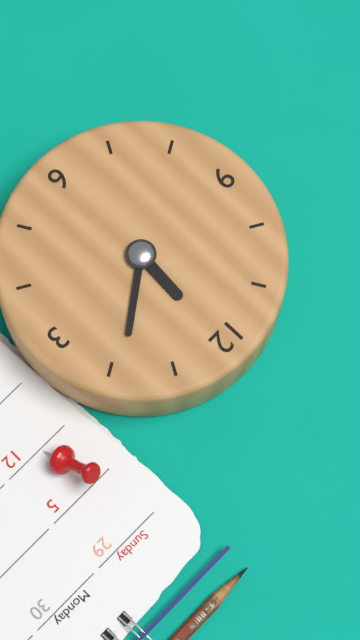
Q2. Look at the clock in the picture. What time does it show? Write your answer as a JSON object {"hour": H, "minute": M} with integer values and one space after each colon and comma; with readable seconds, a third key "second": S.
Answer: {"hour": 12, "minute": 9}
